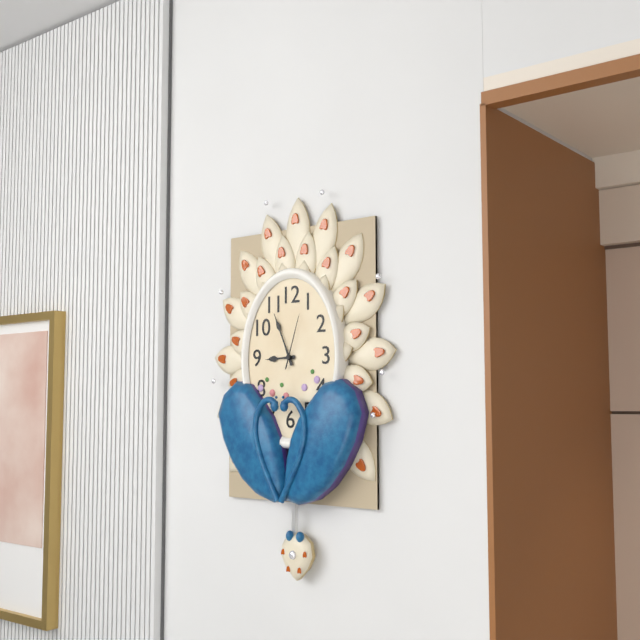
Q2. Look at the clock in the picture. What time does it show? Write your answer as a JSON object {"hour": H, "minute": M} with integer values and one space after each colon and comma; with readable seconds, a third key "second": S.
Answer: {"hour": 8, "minute": 56, "second": 3}
